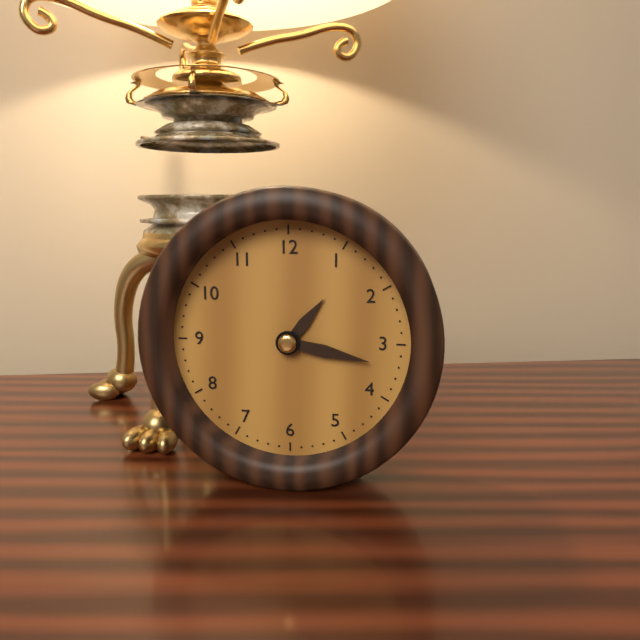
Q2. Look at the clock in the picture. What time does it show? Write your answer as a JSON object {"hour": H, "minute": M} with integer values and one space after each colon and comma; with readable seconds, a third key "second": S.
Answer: {"hour": 1, "minute": 17}
